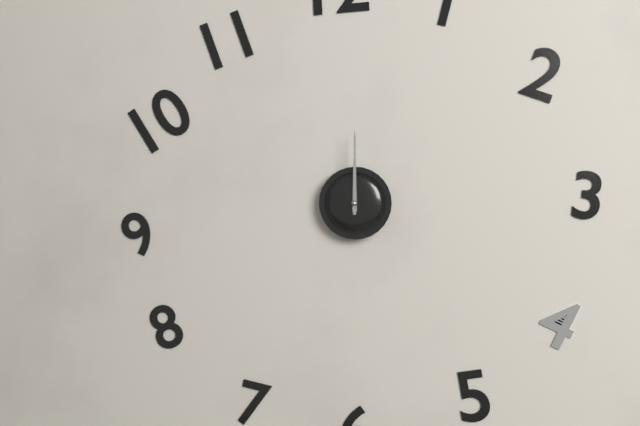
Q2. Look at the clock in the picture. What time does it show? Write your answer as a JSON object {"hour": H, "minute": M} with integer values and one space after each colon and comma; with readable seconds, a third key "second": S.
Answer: {"hour": 12, "minute": 0}
